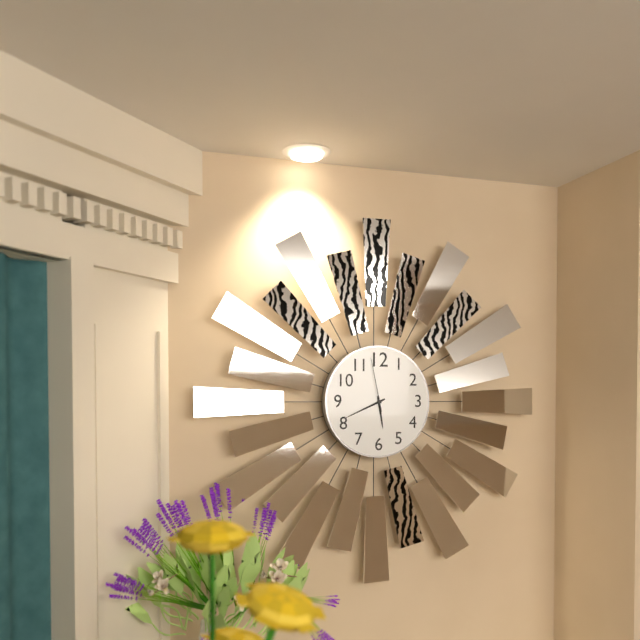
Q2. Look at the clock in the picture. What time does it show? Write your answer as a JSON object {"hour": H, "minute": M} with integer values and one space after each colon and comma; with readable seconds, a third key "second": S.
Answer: {"hour": 5, "minute": 41, "second": 58}
